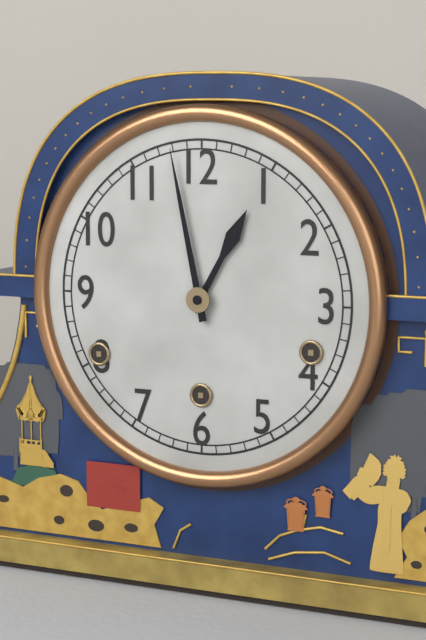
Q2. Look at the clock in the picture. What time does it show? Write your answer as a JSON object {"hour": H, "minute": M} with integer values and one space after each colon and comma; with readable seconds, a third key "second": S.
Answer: {"hour": 12, "minute": 58}
